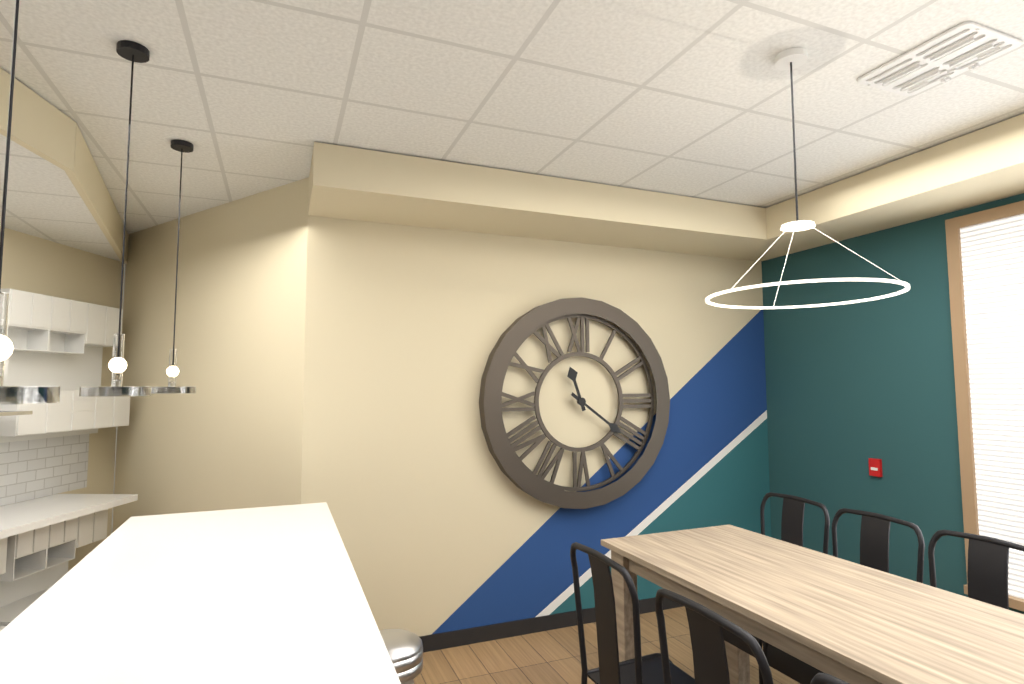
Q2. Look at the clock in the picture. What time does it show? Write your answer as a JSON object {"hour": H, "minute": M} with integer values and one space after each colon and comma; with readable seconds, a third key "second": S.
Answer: {"hour": 11, "minute": 21}
